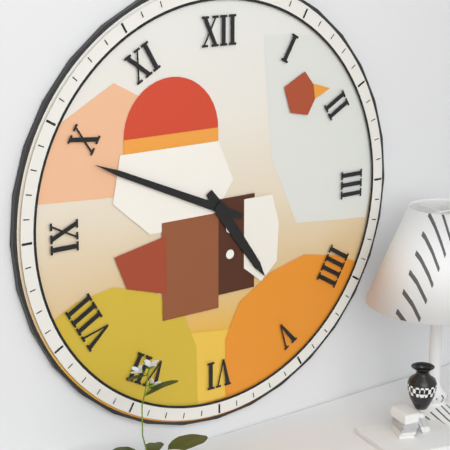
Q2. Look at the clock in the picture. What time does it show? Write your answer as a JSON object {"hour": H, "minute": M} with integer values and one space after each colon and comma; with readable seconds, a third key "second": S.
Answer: {"hour": 4, "minute": 49}
